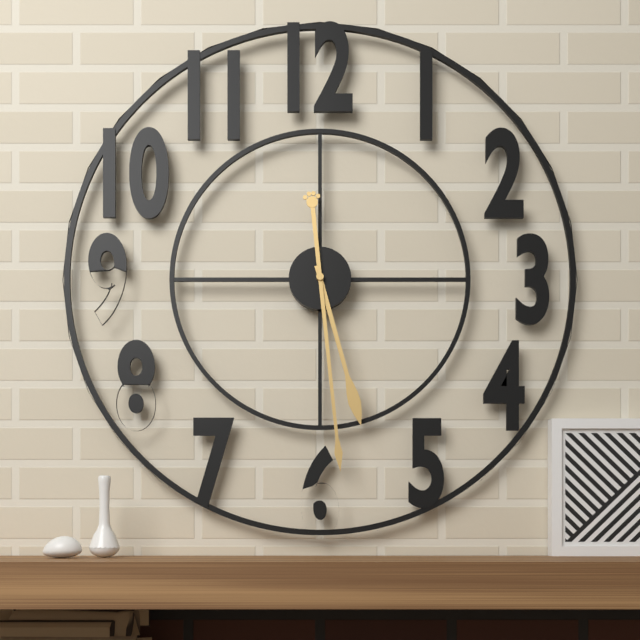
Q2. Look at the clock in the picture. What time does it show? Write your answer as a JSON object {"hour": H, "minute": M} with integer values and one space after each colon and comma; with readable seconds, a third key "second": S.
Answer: {"hour": 5, "minute": 29}
